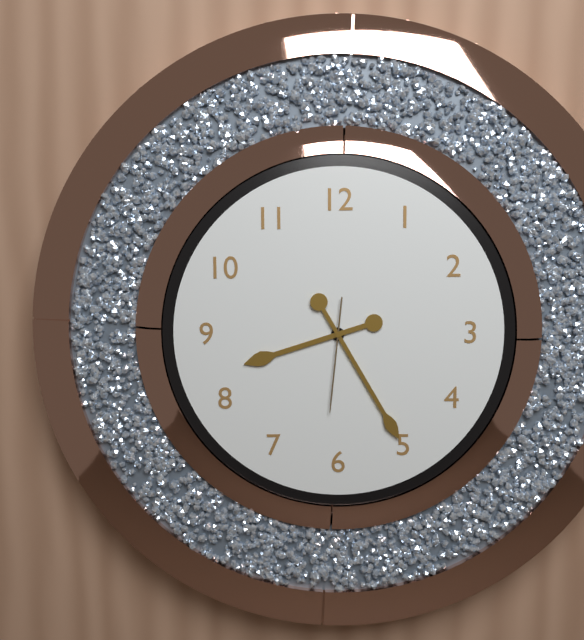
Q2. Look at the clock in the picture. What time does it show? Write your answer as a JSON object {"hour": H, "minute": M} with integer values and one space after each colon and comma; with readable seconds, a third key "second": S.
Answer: {"hour": 8, "minute": 25, "second": 31}
